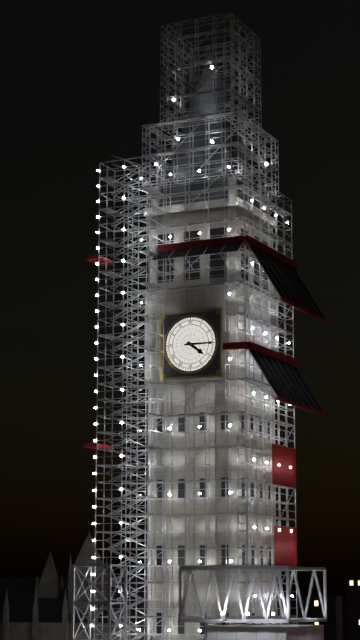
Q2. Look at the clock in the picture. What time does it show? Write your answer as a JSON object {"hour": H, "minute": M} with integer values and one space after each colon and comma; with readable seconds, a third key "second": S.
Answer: {"hour": 4, "minute": 15}
